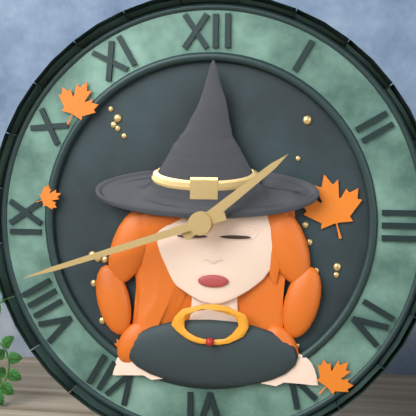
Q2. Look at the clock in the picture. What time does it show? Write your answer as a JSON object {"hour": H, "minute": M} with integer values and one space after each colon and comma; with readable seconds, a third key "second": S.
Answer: {"hour": 1, "minute": 42}
